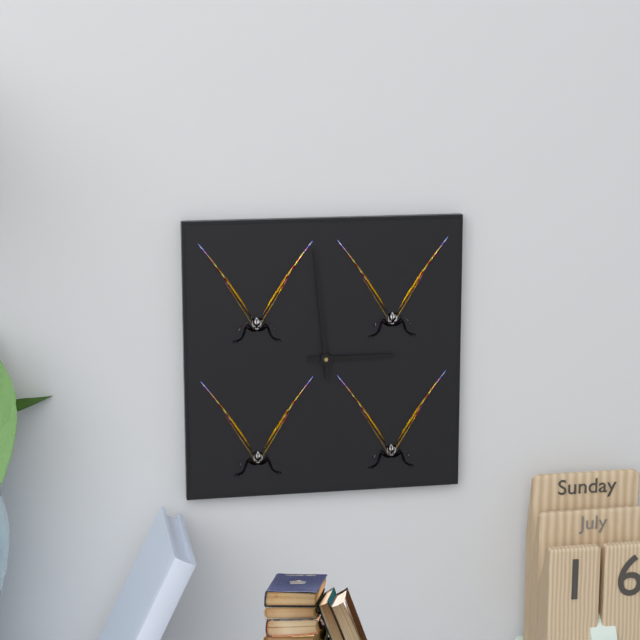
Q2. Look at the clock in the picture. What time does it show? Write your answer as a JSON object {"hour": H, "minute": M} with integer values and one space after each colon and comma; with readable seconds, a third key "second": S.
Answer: {"hour": 2, "minute": 59}
